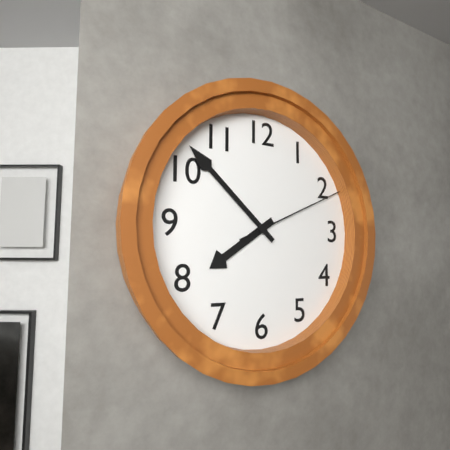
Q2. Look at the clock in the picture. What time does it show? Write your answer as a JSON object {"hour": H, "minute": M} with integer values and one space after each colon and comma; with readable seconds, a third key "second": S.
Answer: {"hour": 7, "minute": 52, "second": 11}
